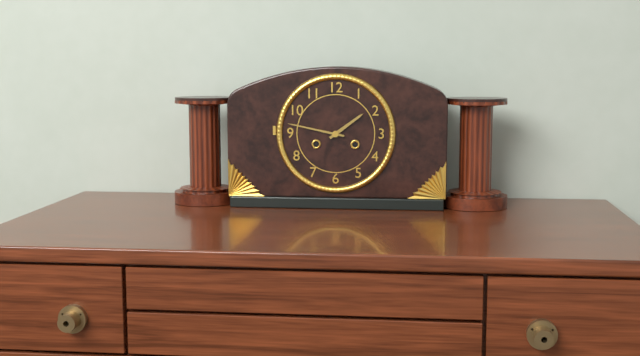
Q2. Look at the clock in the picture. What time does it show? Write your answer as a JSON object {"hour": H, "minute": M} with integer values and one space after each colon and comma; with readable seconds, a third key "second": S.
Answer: {"hour": 1, "minute": 47}
